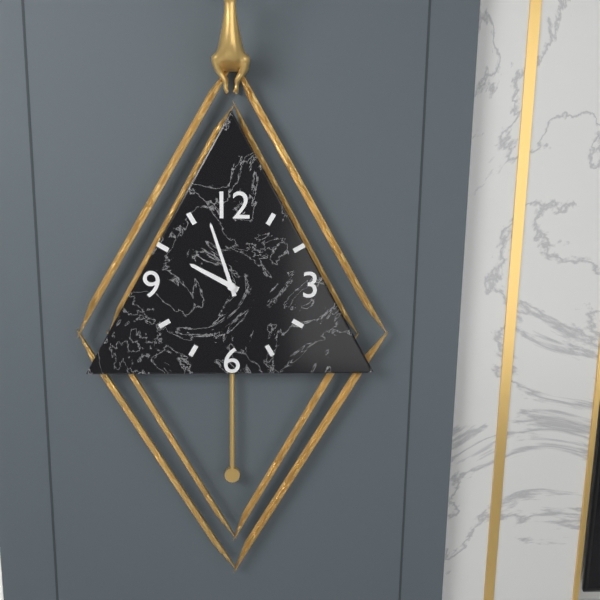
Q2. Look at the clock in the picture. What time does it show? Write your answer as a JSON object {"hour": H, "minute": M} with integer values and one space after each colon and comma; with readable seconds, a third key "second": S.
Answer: {"hour": 9, "minute": 57}
